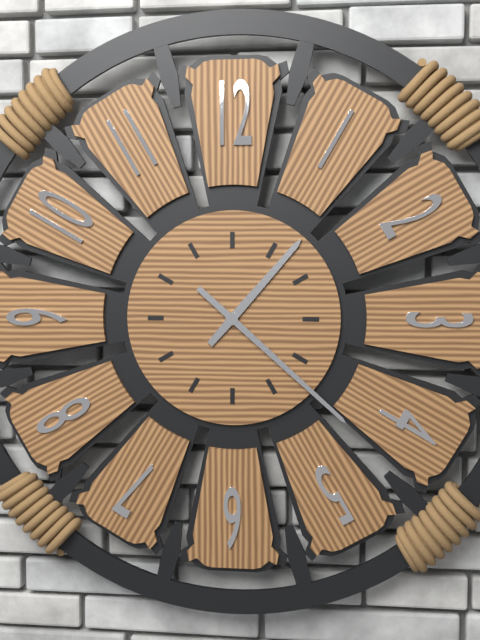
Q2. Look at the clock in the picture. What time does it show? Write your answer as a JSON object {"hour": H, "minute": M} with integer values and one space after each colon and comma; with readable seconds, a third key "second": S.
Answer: {"hour": 1, "minute": 22}
